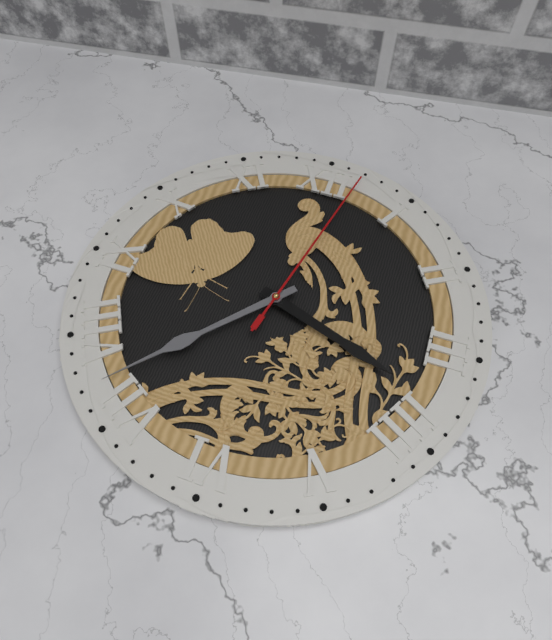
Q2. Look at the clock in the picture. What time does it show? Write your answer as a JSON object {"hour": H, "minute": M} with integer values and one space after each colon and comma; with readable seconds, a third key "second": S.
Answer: {"hour": 3, "minute": 37, "second": 2}
